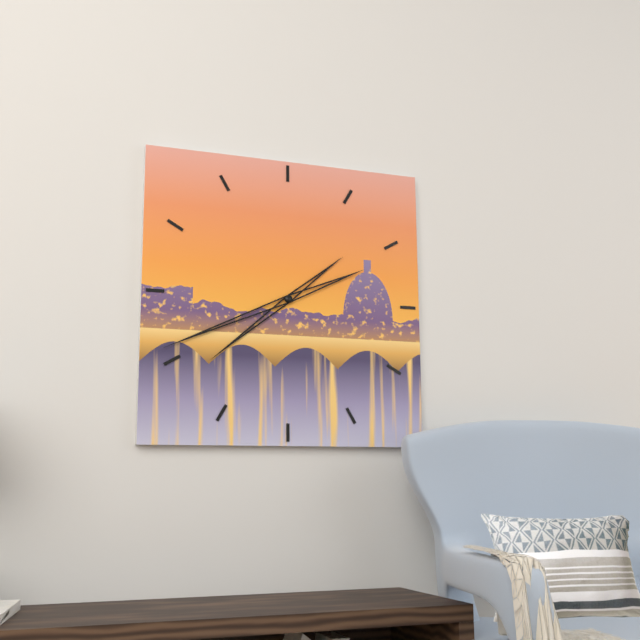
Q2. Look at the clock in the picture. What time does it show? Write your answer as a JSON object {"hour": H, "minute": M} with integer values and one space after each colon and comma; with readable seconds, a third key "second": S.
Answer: {"hour": 7, "minute": 41}
